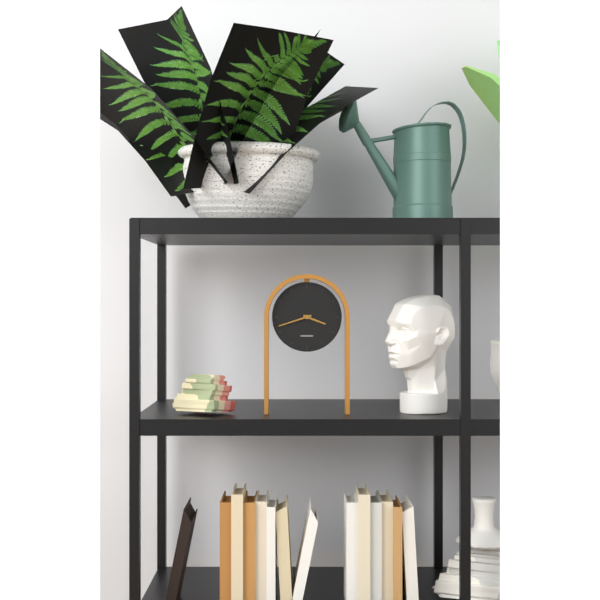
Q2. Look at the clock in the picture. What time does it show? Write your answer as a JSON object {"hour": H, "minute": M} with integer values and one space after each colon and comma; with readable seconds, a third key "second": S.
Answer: {"hour": 3, "minute": 42}
